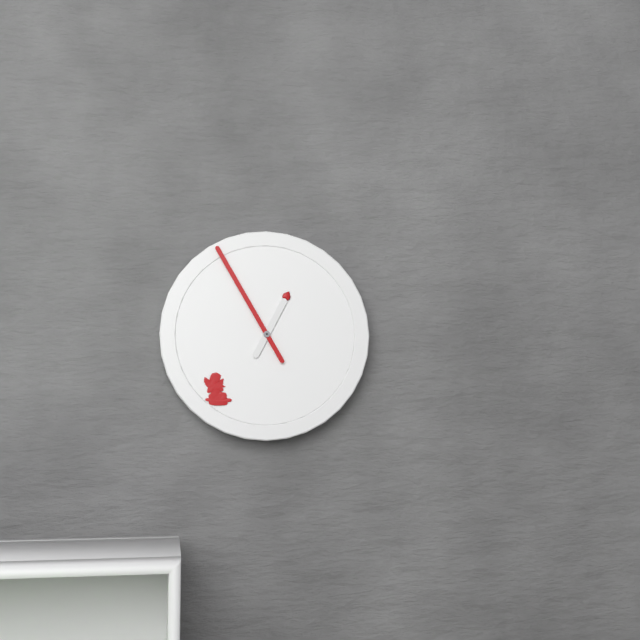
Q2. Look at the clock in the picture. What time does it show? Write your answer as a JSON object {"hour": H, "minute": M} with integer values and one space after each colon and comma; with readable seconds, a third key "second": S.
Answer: {"hour": 12, "minute": 55}
